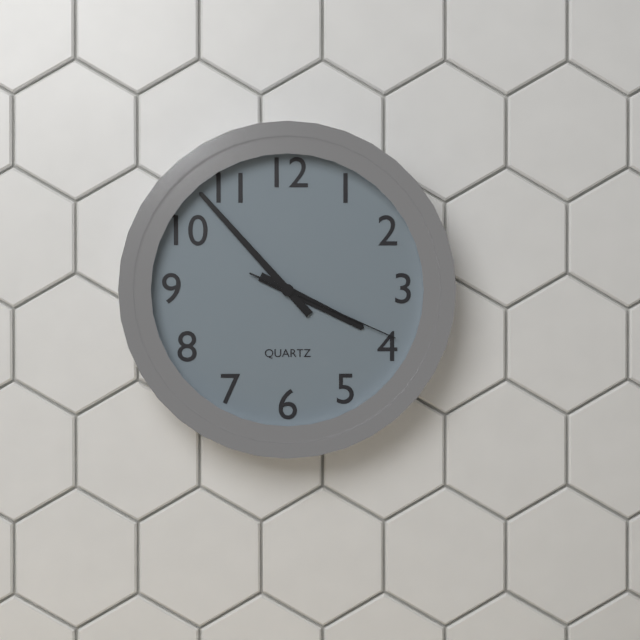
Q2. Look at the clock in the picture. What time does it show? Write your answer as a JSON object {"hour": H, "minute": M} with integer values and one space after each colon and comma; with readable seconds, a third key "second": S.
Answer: {"hour": 3, "minute": 53, "second": 19}
